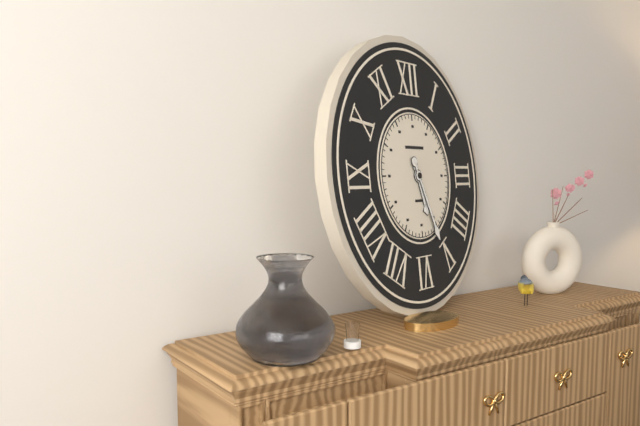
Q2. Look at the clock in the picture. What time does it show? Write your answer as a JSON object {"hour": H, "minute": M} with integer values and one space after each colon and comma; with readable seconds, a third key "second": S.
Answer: {"hour": 5, "minute": 26}
